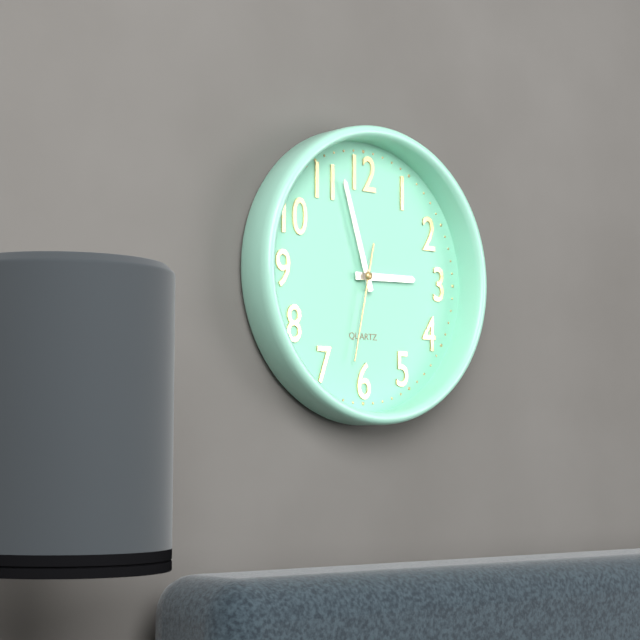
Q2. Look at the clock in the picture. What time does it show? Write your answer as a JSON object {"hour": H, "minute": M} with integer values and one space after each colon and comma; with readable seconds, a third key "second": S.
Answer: {"hour": 2, "minute": 57, "second": 32}
